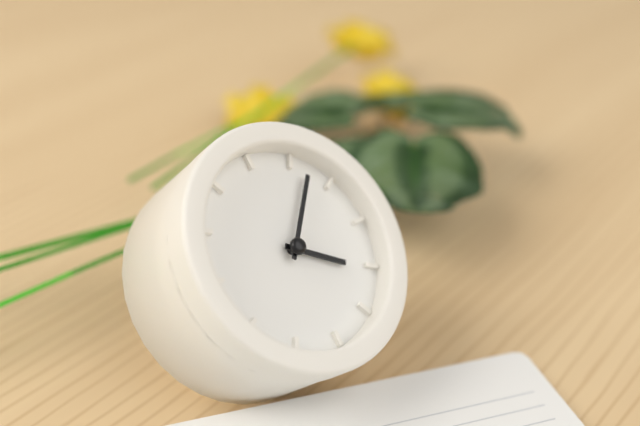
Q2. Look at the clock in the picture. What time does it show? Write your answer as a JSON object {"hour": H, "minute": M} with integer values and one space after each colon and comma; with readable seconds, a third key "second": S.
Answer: {"hour": 4, "minute": 7}
